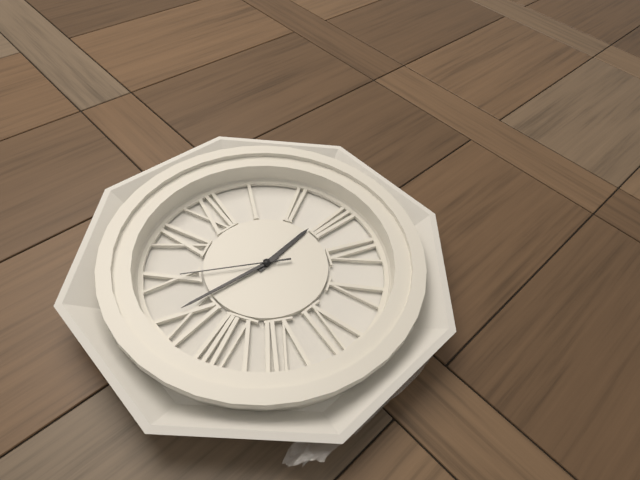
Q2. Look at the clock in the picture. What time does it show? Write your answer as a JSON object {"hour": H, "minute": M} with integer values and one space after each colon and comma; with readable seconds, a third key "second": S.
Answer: {"hour": 2, "minute": 46, "second": 50}
